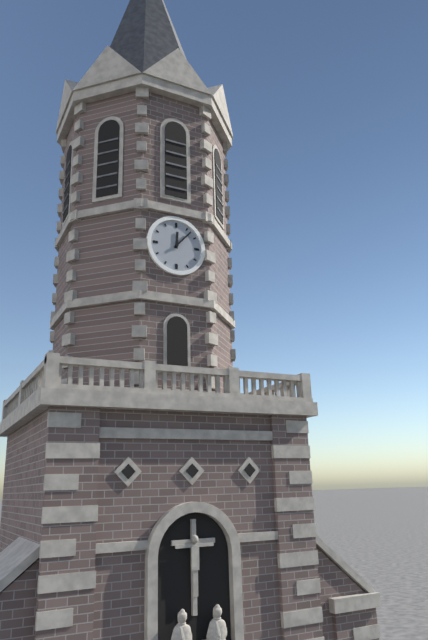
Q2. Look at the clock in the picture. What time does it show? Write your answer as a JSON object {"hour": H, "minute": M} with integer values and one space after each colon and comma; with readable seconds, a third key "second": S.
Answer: {"hour": 12, "minute": 7}
